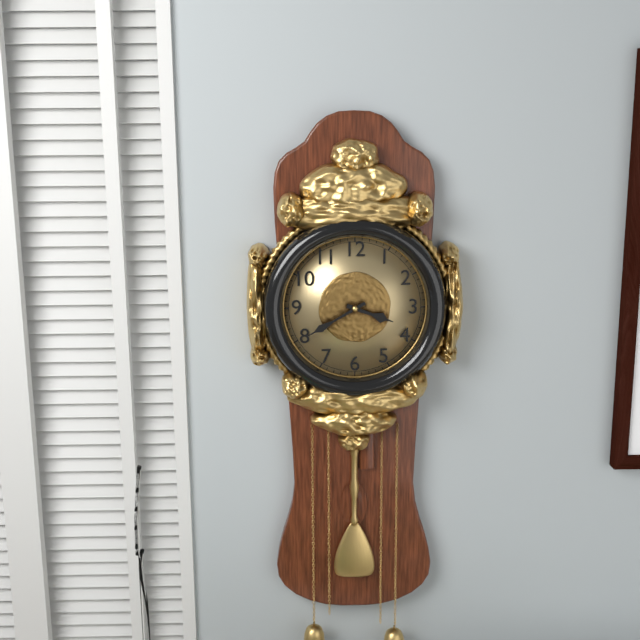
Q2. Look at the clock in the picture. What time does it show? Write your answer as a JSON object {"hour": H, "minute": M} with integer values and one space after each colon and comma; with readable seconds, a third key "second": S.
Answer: {"hour": 3, "minute": 40}
